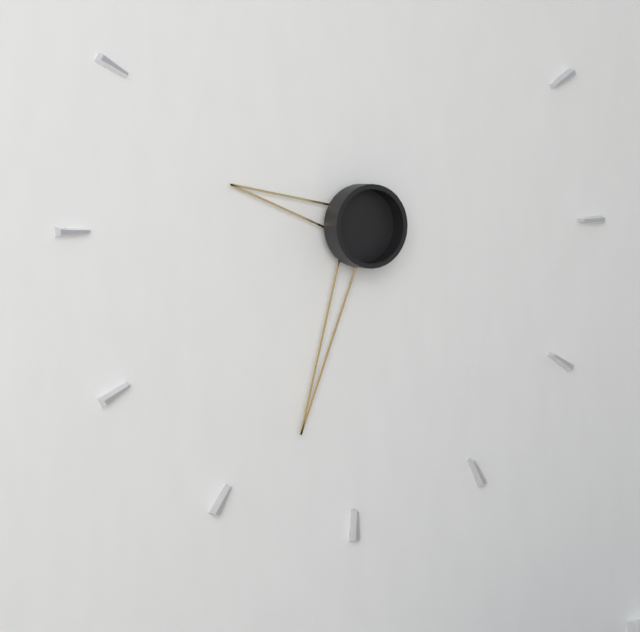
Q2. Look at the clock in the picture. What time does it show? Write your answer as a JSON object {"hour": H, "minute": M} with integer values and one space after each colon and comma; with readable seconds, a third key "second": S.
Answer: {"hour": 9, "minute": 33}
